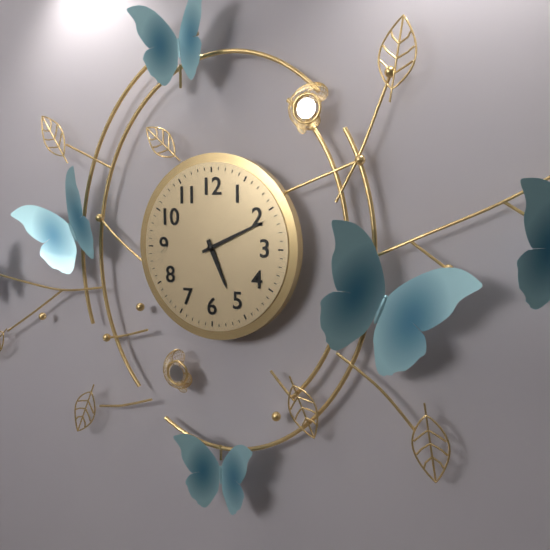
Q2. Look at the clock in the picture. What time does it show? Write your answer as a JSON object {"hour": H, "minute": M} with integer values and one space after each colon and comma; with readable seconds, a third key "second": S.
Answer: {"hour": 5, "minute": 11}
